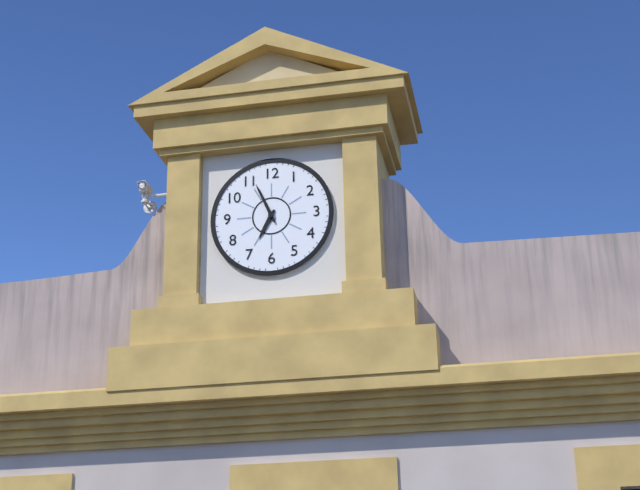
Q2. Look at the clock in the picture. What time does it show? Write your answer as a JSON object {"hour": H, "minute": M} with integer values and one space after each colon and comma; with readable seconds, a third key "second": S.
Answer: {"hour": 6, "minute": 56}
